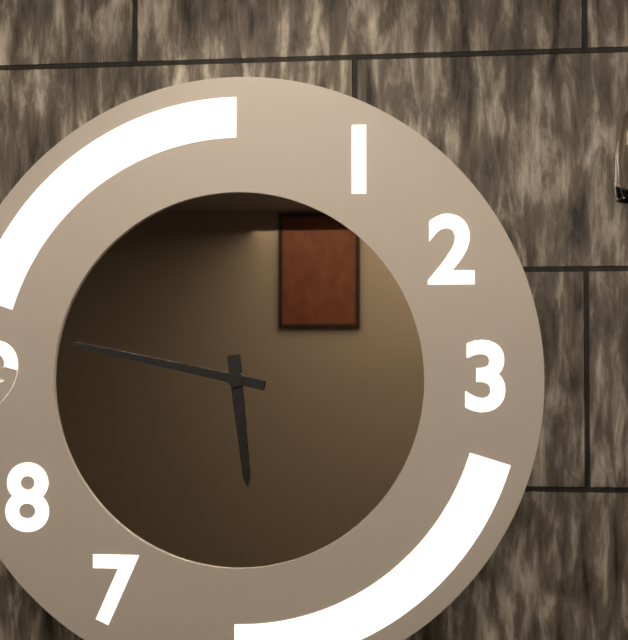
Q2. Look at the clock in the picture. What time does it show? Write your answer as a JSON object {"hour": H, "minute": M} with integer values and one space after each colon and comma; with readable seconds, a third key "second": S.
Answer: {"hour": 5, "minute": 47}
